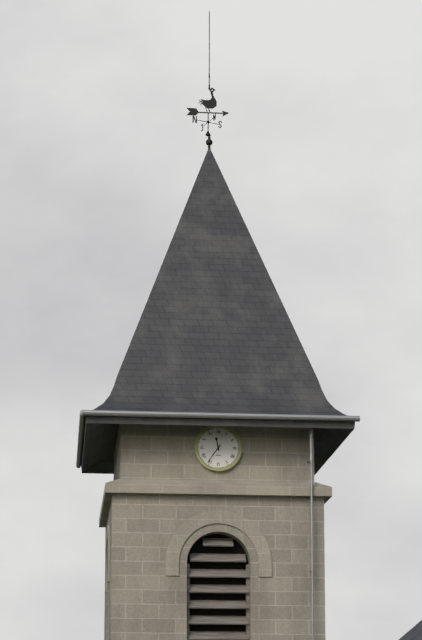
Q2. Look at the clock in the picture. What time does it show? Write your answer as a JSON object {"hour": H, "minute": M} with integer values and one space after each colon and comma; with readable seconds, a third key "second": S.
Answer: {"hour": 11, "minute": 36}
